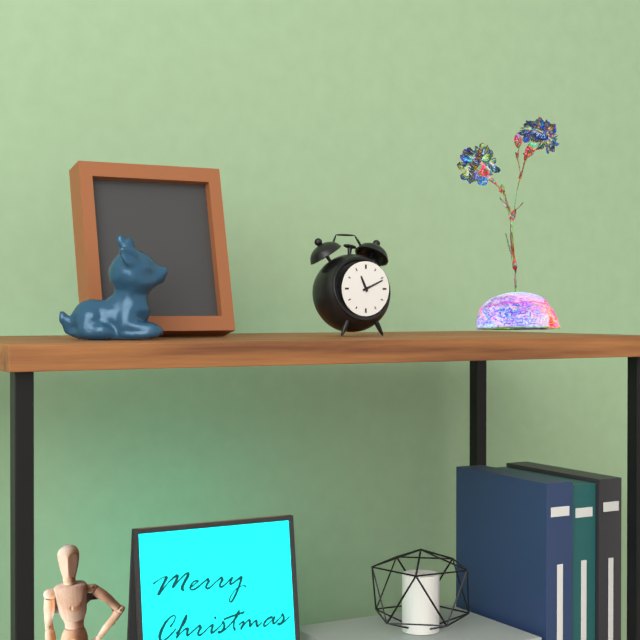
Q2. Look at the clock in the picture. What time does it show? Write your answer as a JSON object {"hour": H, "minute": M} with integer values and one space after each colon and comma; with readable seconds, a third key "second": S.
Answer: {"hour": 11, "minute": 11}
